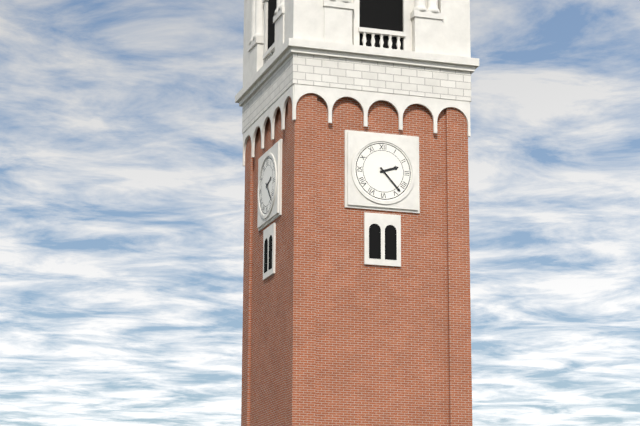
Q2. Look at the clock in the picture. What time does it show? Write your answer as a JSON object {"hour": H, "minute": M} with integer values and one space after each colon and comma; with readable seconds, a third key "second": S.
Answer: {"hour": 2, "minute": 23}
